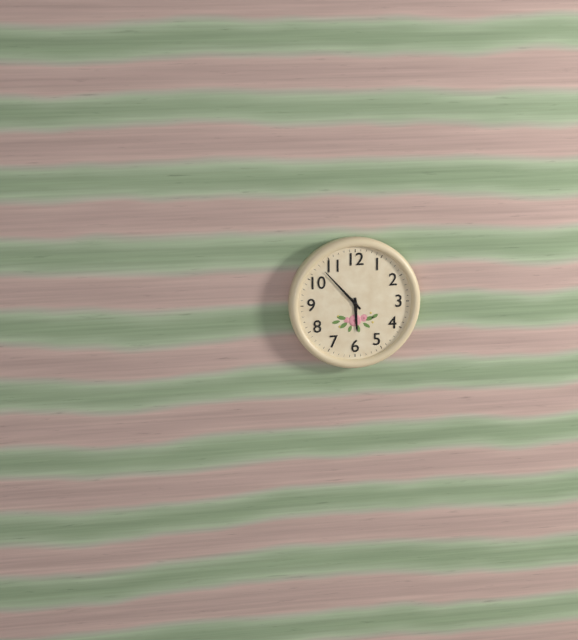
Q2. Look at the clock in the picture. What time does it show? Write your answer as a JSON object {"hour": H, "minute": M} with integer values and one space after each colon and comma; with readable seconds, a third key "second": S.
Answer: {"hour": 5, "minute": 53}
